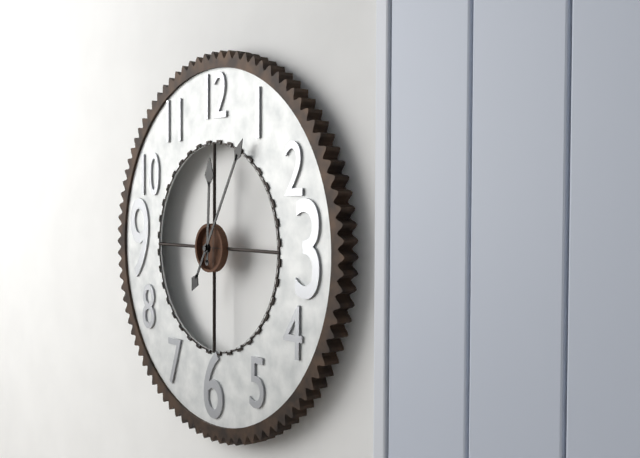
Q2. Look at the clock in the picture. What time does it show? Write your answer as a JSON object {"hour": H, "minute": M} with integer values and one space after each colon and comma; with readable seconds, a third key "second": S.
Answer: {"hour": 12, "minute": 5}
